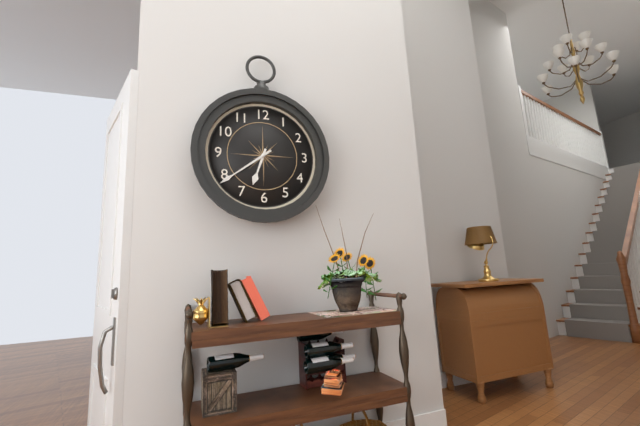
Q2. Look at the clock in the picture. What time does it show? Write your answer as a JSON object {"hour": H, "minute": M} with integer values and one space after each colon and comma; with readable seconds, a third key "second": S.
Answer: {"hour": 6, "minute": 39}
